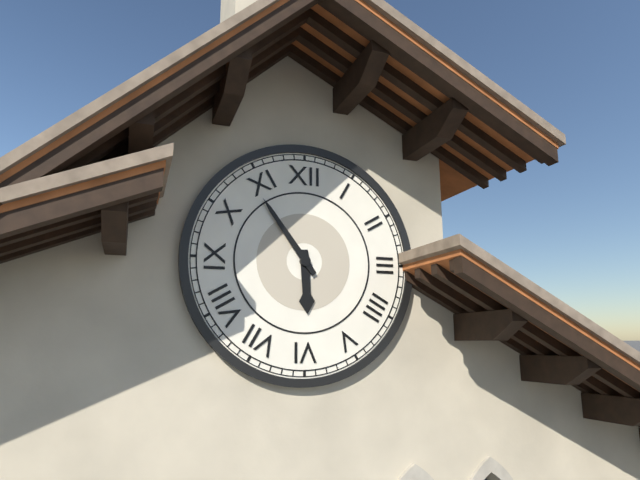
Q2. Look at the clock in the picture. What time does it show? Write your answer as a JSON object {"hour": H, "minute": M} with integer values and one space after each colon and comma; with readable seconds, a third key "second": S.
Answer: {"hour": 5, "minute": 54}
